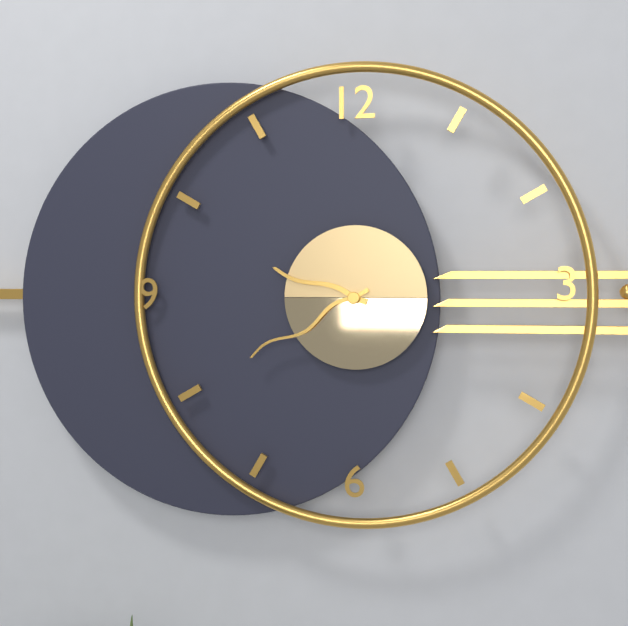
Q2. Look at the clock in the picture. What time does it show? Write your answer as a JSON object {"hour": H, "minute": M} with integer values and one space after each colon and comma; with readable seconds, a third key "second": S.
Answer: {"hour": 9, "minute": 40}
